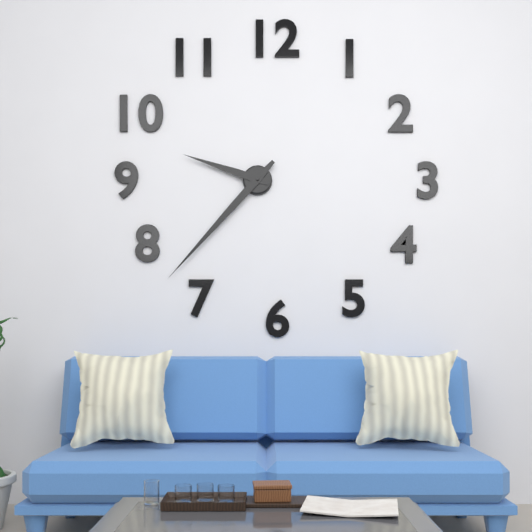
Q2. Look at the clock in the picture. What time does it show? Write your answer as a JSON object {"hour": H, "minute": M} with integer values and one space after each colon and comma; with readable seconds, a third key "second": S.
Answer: {"hour": 9, "minute": 37}
